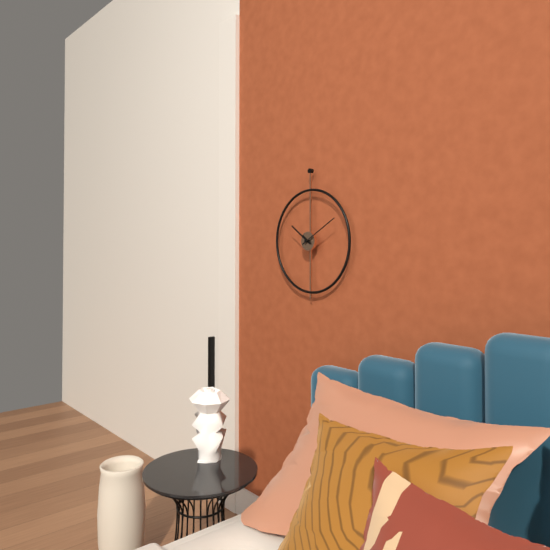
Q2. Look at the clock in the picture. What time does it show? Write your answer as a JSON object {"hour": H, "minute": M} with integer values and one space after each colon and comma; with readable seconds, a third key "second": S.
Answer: {"hour": 10, "minute": 10}
